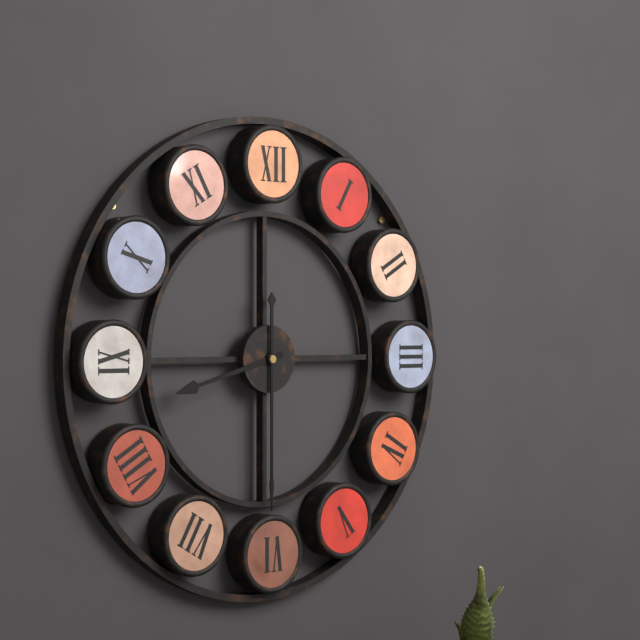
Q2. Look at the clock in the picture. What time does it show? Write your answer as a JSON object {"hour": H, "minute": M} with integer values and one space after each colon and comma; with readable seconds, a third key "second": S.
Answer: {"hour": 8, "minute": 30}
